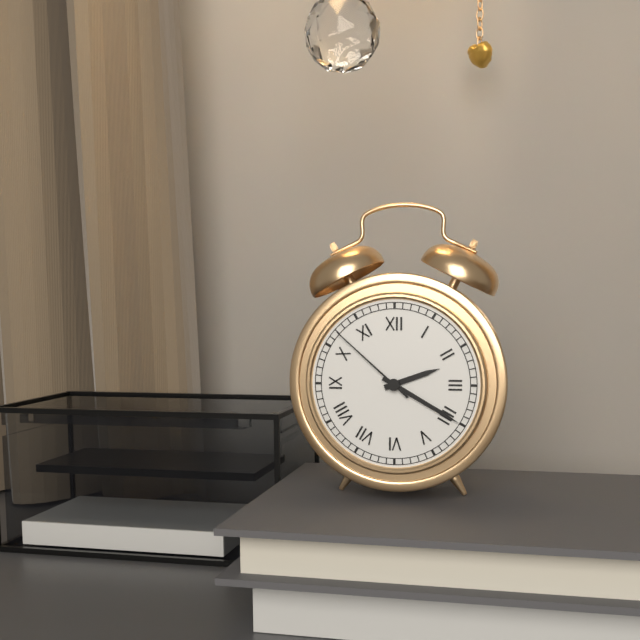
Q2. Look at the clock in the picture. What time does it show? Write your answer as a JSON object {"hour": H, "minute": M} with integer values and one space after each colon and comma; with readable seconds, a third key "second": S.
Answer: {"hour": 2, "minute": 20, "second": 52}
